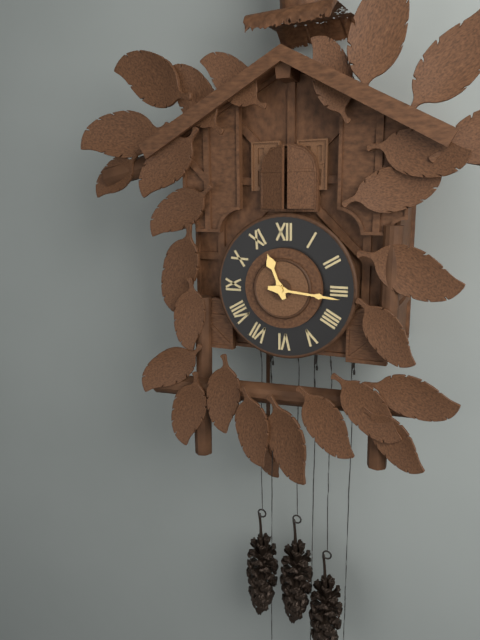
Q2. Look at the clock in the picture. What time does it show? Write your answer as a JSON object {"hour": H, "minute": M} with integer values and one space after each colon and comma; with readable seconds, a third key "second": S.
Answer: {"hour": 11, "minute": 16}
